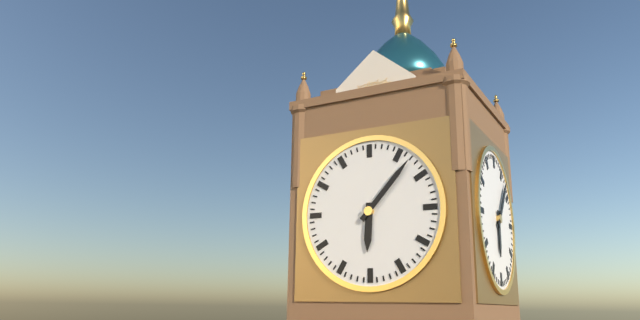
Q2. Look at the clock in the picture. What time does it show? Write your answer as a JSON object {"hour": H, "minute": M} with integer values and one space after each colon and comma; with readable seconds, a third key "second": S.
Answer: {"hour": 6, "minute": 7}
